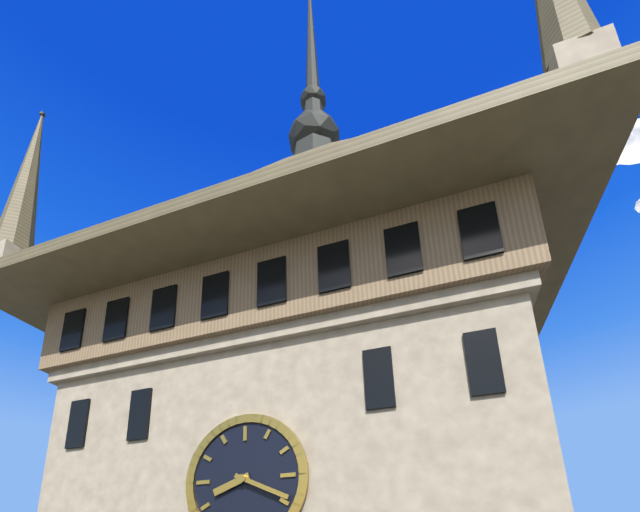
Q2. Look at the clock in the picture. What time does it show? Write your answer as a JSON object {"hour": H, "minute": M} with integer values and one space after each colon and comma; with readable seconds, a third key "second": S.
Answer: {"hour": 8, "minute": 19}
